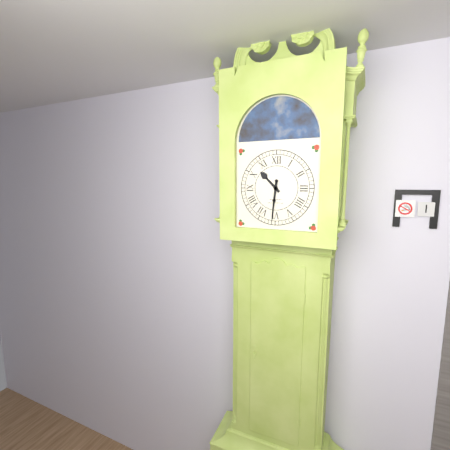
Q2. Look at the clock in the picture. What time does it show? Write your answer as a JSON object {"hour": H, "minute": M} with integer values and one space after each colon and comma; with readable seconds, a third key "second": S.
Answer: {"hour": 10, "minute": 31}
